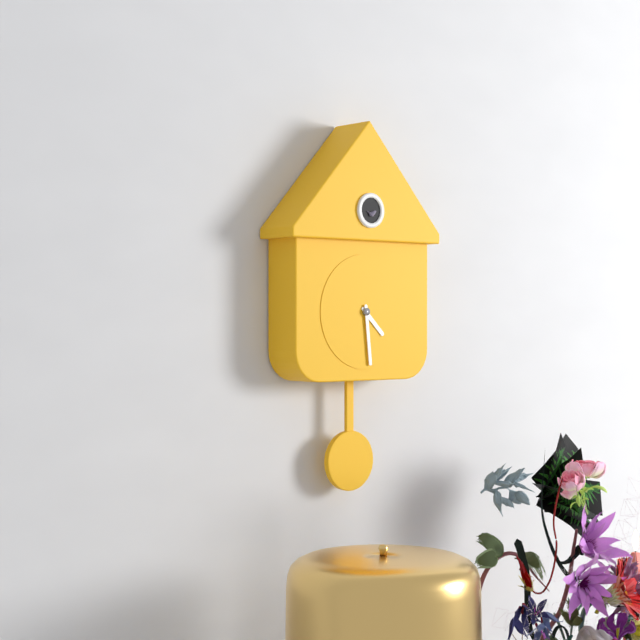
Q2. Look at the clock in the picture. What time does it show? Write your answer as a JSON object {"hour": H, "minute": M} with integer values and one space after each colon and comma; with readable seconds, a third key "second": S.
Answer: {"hour": 4, "minute": 29}
